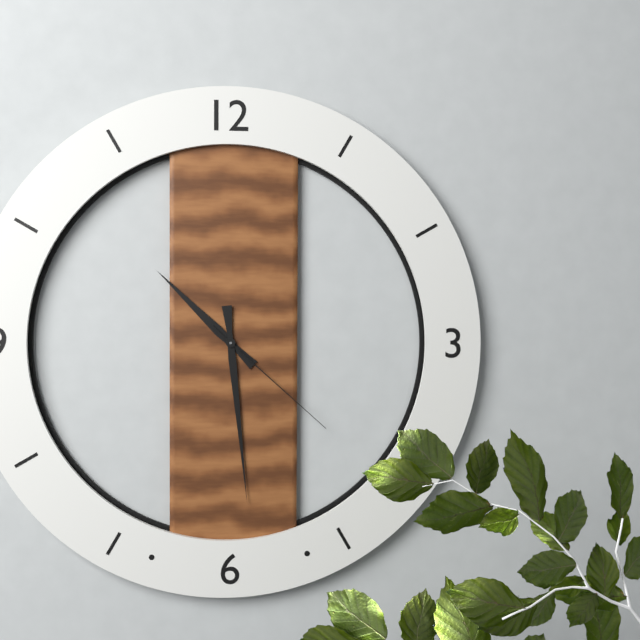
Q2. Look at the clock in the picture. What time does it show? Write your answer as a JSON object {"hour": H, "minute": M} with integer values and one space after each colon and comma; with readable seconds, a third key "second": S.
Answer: {"hour": 10, "minute": 29, "second": 22}
